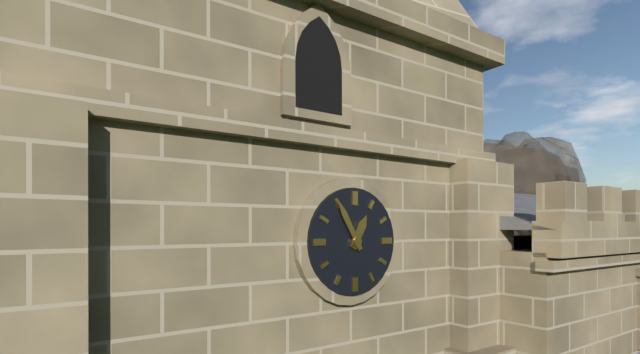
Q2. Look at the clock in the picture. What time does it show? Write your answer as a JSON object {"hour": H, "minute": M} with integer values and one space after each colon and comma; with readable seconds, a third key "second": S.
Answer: {"hour": 12, "minute": 55}
